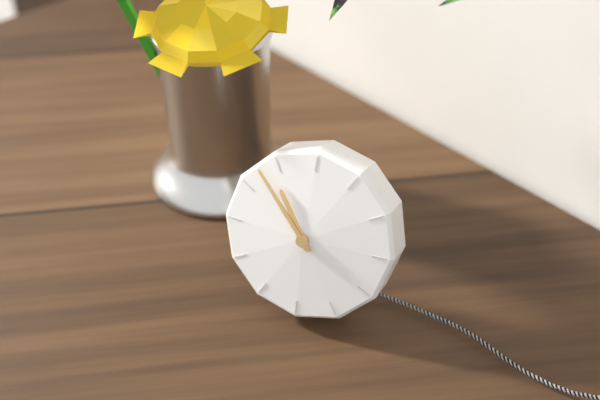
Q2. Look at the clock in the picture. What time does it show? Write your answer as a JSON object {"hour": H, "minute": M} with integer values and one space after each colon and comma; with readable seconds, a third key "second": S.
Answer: {"hour": 10, "minute": 53}
